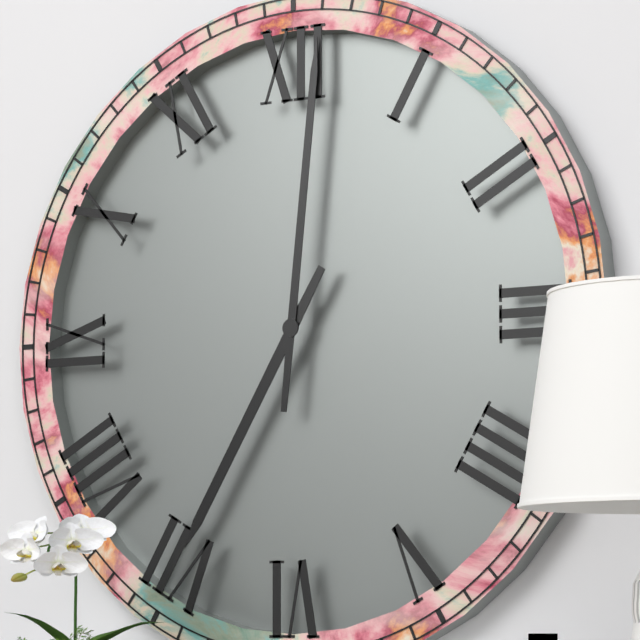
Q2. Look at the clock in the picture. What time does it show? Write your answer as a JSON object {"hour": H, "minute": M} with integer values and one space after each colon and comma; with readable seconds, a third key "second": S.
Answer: {"hour": 7, "minute": 1}
